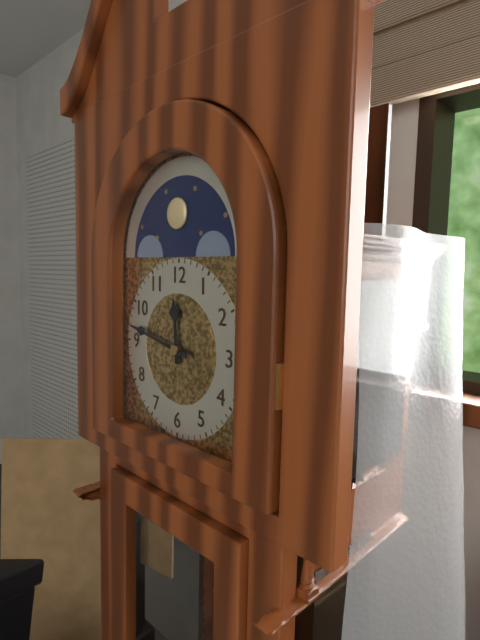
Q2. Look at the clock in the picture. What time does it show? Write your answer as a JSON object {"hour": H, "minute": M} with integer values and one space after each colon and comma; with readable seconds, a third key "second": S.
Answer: {"hour": 11, "minute": 47}
